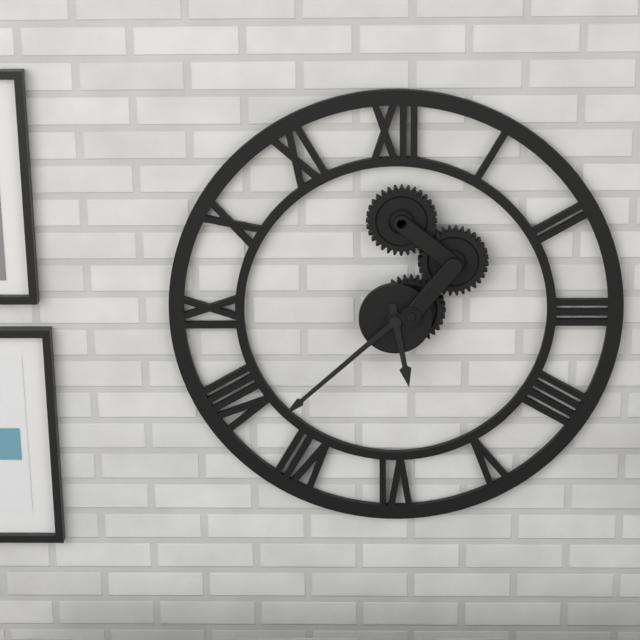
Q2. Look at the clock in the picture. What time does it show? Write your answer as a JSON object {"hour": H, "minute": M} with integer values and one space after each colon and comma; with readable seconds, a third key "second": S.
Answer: {"hour": 5, "minute": 38}
